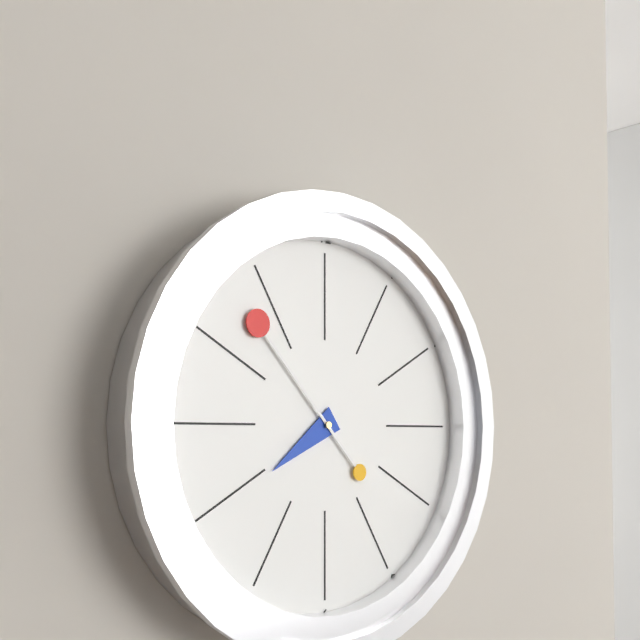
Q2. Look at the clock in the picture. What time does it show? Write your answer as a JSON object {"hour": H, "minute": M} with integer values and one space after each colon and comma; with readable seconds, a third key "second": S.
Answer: {"hour": 7, "minute": 53}
